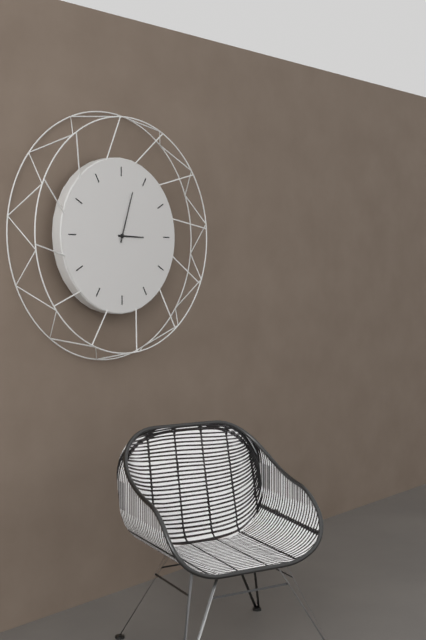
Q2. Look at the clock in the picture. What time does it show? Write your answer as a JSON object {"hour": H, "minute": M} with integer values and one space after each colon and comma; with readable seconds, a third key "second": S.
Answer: {"hour": 3, "minute": 3}
